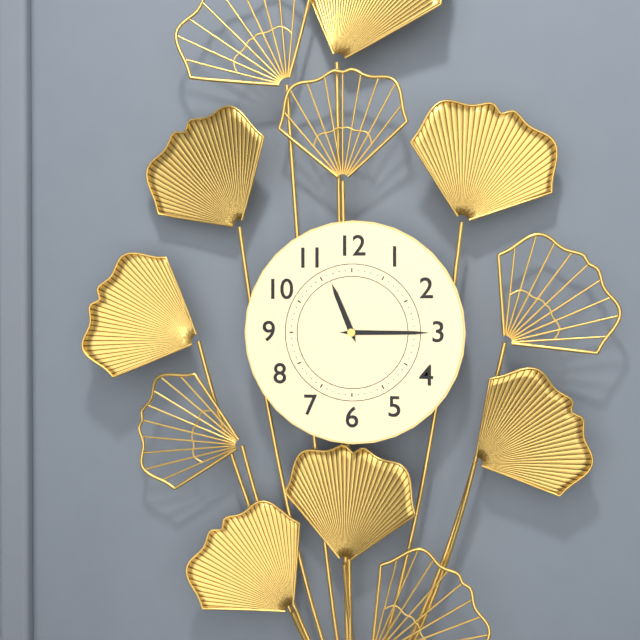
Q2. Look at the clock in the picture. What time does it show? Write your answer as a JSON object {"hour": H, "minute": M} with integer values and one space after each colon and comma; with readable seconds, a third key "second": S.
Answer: {"hour": 11, "minute": 15}
